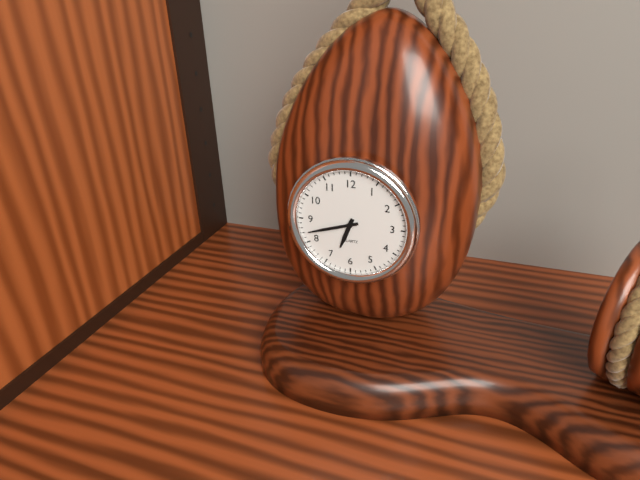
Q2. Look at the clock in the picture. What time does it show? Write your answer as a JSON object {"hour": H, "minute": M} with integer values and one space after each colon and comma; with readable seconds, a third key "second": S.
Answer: {"hour": 6, "minute": 42}
